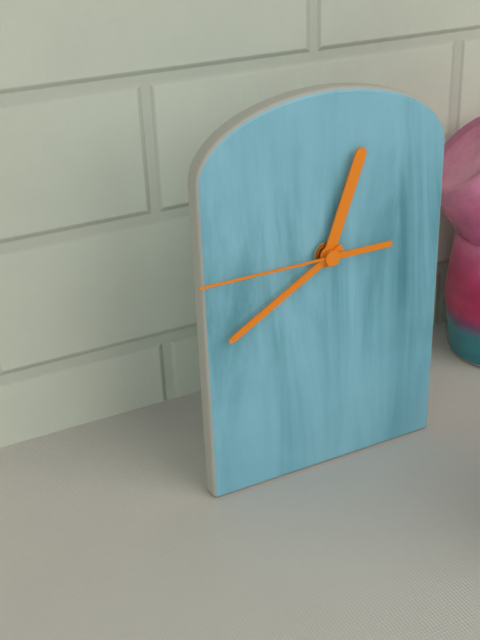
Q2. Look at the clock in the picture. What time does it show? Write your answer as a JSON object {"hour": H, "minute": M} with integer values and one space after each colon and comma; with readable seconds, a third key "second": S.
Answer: {"hour": 12, "minute": 40, "second": 45}
